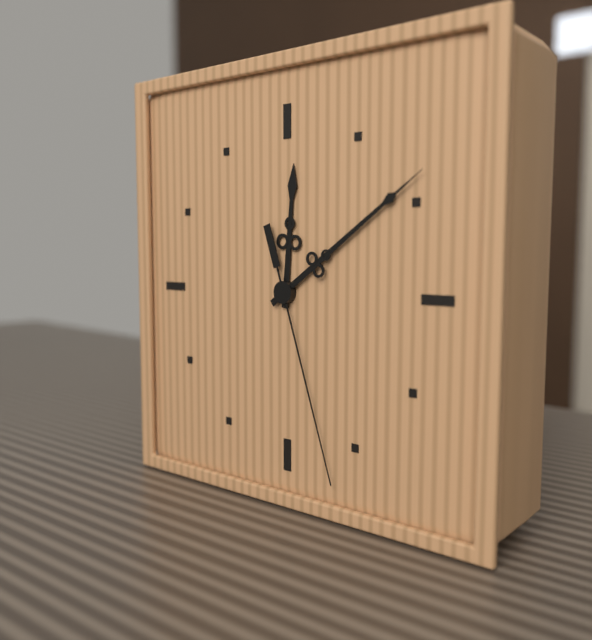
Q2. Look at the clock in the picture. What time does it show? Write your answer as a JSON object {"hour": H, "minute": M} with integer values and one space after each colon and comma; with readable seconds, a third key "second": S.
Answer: {"hour": 12, "minute": 9, "second": 27}
